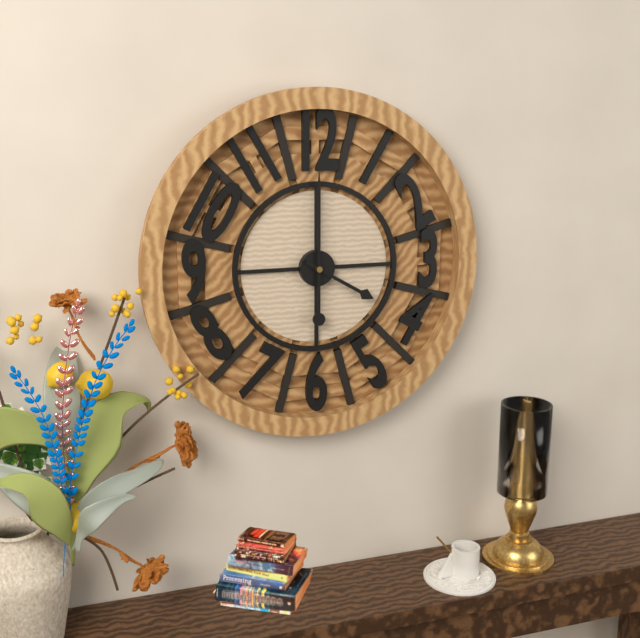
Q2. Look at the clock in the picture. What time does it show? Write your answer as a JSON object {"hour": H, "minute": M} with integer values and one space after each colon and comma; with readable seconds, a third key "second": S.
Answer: {"hour": 4, "minute": 0}
